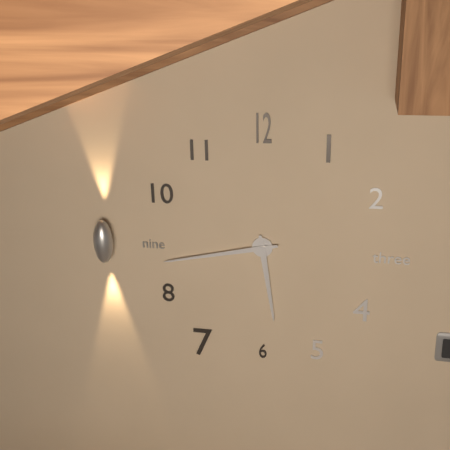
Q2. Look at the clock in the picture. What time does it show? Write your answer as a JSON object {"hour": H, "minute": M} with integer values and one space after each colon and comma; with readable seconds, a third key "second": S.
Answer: {"hour": 5, "minute": 43}
